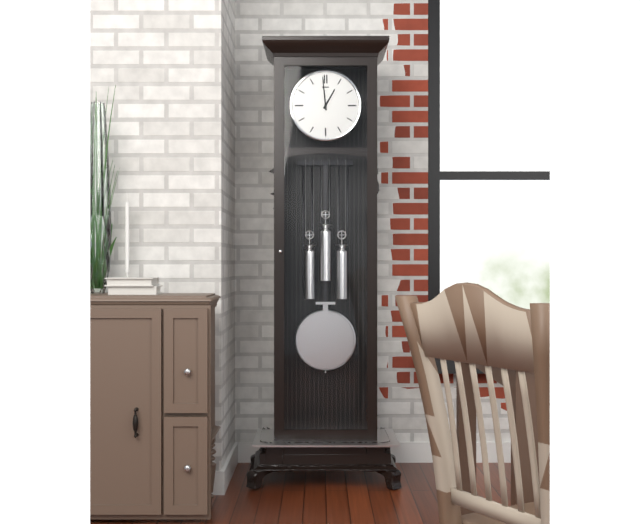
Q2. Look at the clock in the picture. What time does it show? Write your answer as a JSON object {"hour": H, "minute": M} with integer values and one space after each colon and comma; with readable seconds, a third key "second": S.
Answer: {"hour": 12, "minute": 59}
